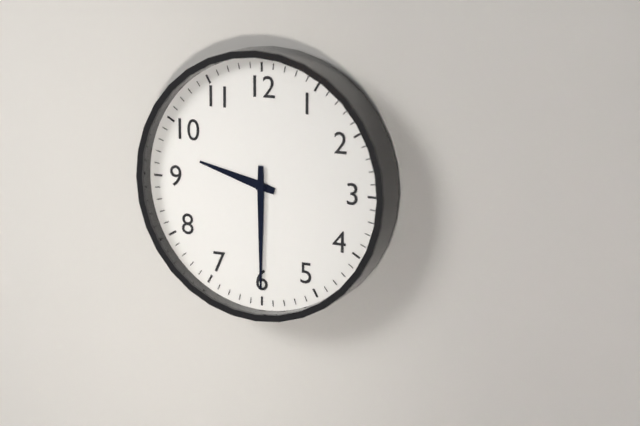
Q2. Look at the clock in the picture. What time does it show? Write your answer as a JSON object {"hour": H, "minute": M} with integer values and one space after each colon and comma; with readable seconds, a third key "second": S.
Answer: {"hour": 9, "minute": 30}
